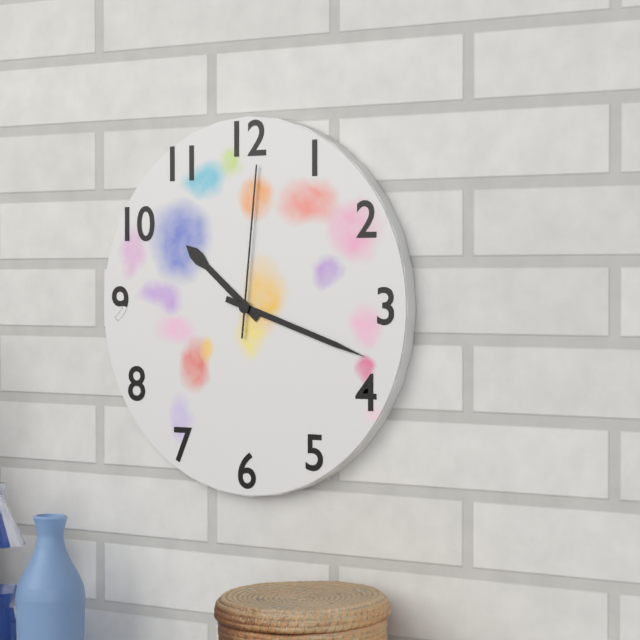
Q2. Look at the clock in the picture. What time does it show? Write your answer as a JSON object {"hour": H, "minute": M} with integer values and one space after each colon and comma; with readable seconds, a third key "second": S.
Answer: {"hour": 10, "minute": 18, "second": 1}
